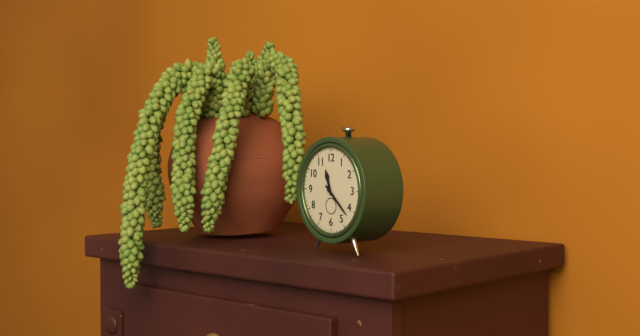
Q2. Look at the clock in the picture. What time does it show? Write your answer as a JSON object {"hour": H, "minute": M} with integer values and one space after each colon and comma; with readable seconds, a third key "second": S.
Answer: {"hour": 11, "minute": 22}
